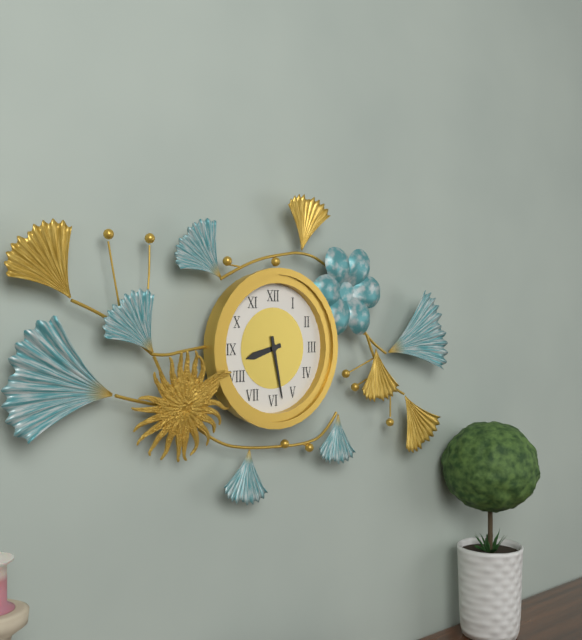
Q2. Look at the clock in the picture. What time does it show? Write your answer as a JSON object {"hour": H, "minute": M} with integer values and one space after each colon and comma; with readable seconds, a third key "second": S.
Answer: {"hour": 8, "minute": 28}
